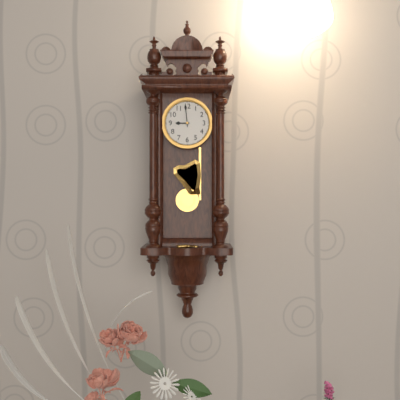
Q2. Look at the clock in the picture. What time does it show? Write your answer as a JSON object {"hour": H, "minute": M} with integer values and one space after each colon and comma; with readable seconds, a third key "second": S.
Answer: {"hour": 8, "minute": 59}
